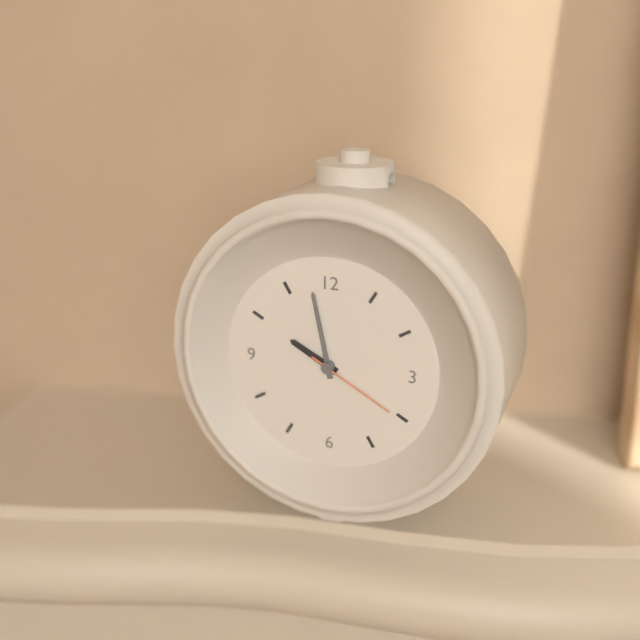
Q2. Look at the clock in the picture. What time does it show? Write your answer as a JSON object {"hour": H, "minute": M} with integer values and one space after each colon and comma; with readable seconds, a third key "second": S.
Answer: {"hour": 9, "minute": 58, "second": 20}
